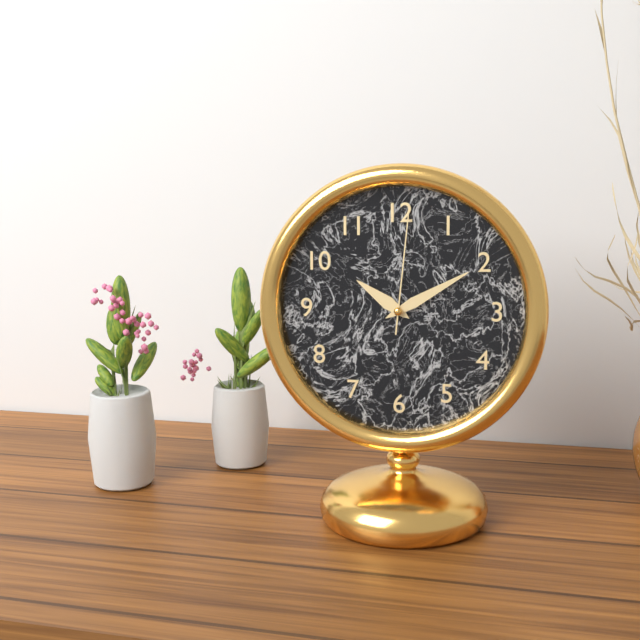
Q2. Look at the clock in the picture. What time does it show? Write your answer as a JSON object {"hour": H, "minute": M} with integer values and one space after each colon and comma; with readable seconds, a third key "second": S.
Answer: {"hour": 10, "minute": 10, "second": 1}
